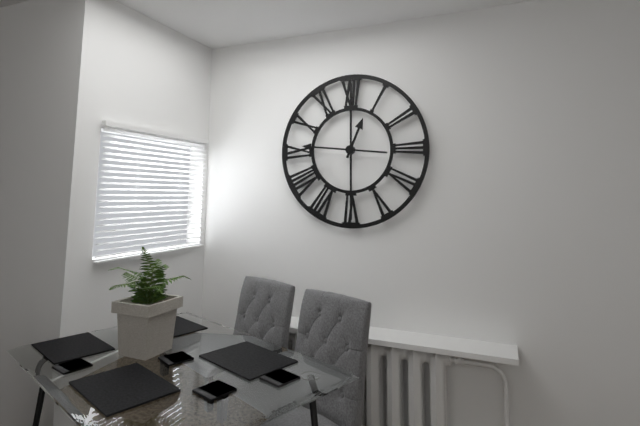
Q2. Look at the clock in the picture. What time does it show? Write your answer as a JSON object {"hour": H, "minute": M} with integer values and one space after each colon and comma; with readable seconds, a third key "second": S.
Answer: {"hour": 12, "minute": 46}
